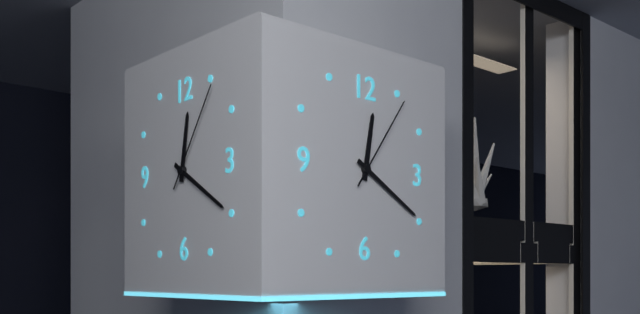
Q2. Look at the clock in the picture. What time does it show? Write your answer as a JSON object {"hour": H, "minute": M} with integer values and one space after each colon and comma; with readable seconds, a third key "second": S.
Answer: {"hour": 12, "minute": 20, "second": 6}
